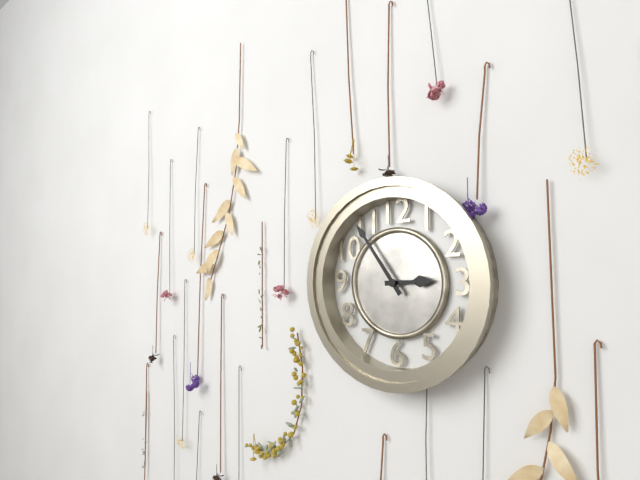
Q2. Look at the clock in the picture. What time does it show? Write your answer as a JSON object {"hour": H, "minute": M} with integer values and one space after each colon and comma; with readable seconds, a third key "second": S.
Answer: {"hour": 2, "minute": 54}
